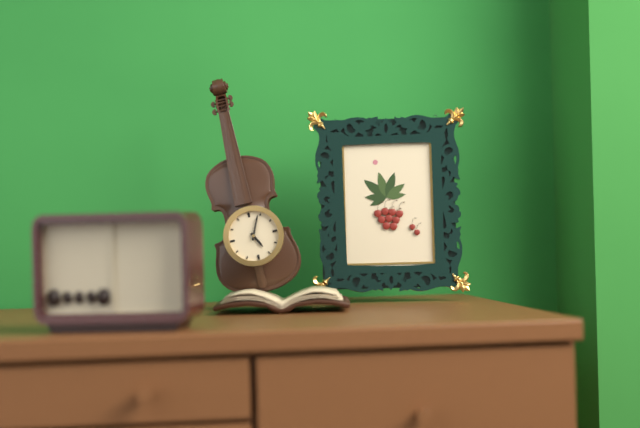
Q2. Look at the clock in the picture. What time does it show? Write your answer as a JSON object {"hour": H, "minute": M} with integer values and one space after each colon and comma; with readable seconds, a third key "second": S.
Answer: {"hour": 5, "minute": 4}
